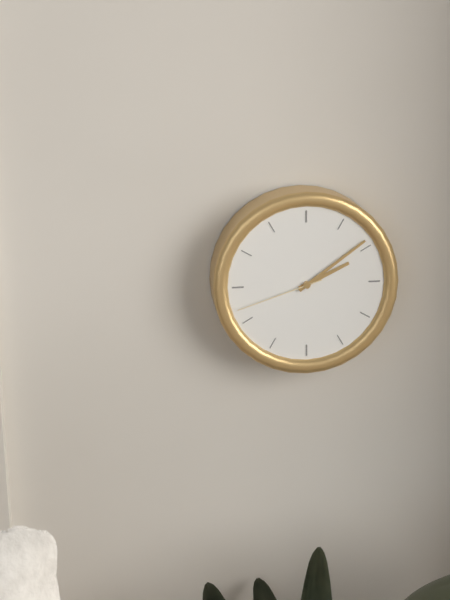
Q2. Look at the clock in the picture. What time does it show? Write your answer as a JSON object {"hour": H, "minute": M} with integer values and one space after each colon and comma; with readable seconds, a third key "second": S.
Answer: {"hour": 2, "minute": 9, "second": 42}
